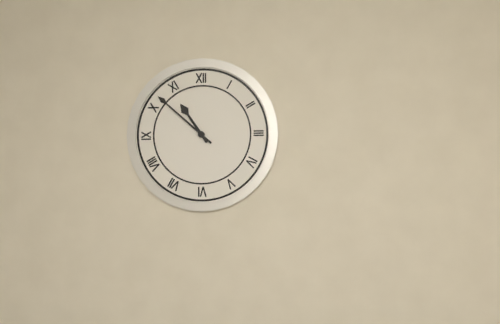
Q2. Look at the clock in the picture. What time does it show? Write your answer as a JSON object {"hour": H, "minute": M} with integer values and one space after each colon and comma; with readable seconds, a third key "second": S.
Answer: {"hour": 10, "minute": 52}
